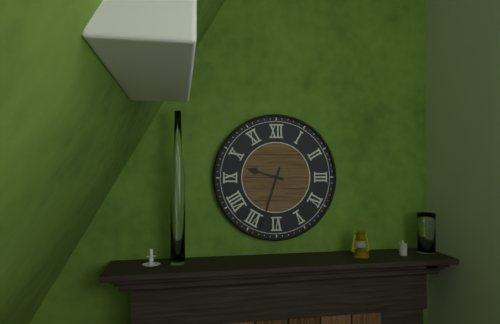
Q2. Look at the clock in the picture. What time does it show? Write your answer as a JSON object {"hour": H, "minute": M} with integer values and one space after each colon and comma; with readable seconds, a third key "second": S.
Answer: {"hour": 9, "minute": 33}
